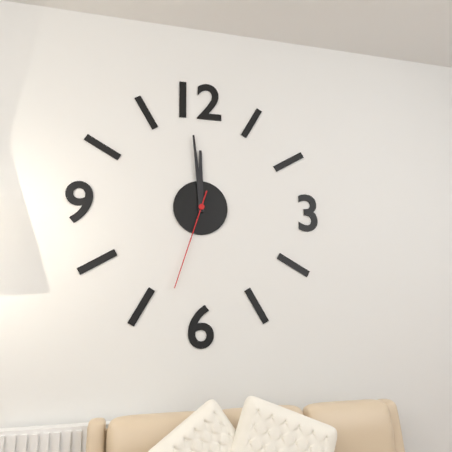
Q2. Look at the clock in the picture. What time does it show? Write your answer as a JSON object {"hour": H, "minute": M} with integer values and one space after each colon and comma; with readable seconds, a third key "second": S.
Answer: {"hour": 11, "minute": 59, "second": 33}
